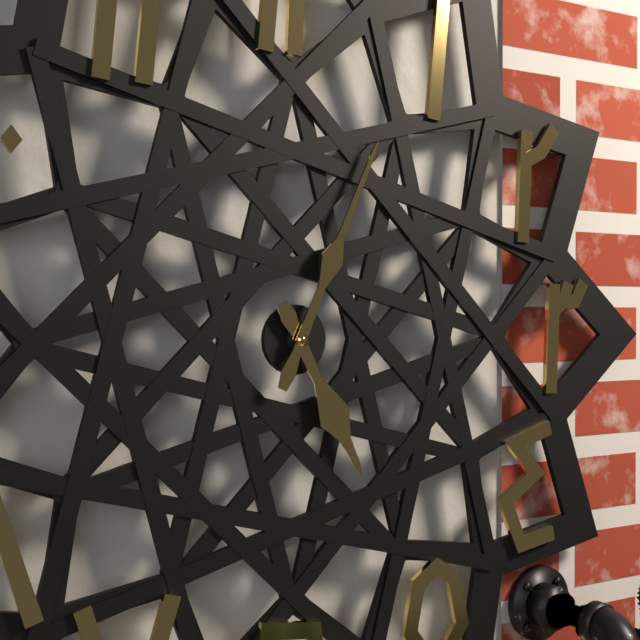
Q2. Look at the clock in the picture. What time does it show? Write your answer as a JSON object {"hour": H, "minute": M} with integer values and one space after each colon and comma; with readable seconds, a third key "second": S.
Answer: {"hour": 5, "minute": 4}
